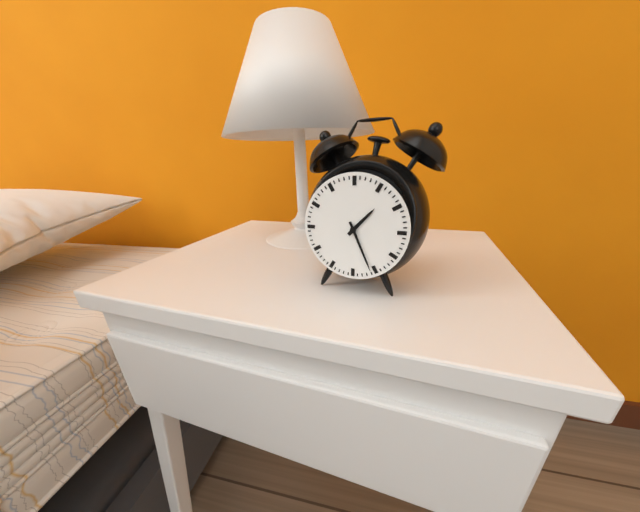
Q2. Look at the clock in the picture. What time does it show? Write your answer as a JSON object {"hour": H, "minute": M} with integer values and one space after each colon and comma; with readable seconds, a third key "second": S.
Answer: {"hour": 1, "minute": 26}
